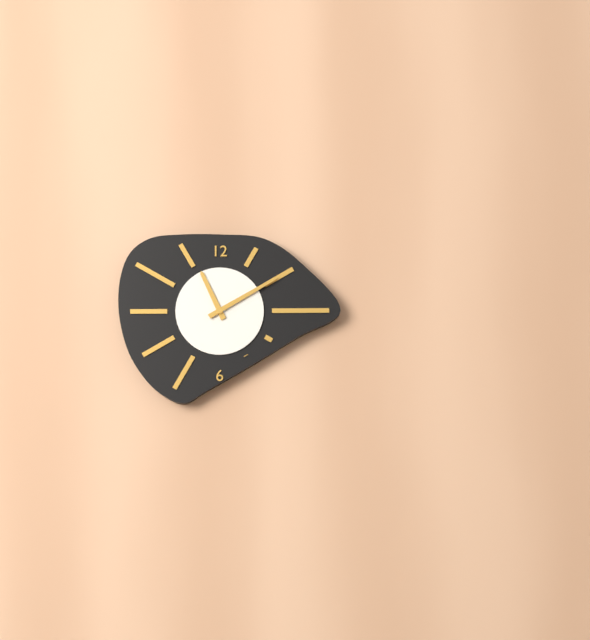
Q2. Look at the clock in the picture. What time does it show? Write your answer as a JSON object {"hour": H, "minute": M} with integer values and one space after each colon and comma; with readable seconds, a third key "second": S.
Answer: {"hour": 11, "minute": 10}
